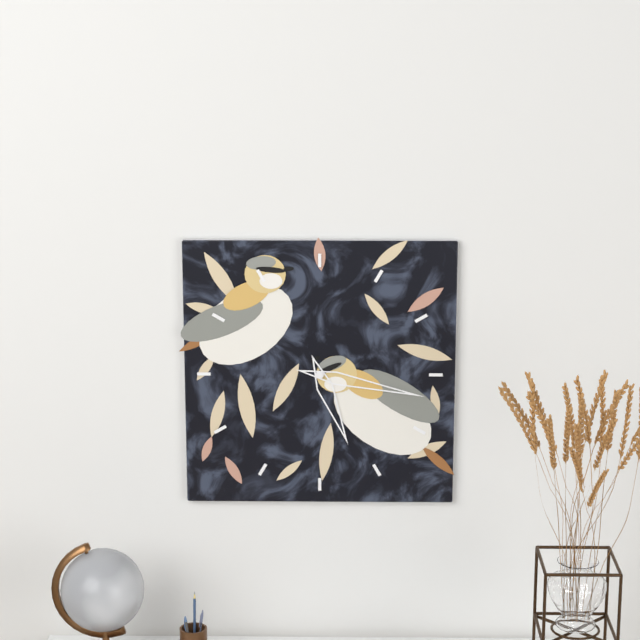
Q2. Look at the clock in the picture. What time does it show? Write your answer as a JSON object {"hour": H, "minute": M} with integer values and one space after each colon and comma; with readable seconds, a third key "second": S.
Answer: {"hour": 5, "minute": 17}
